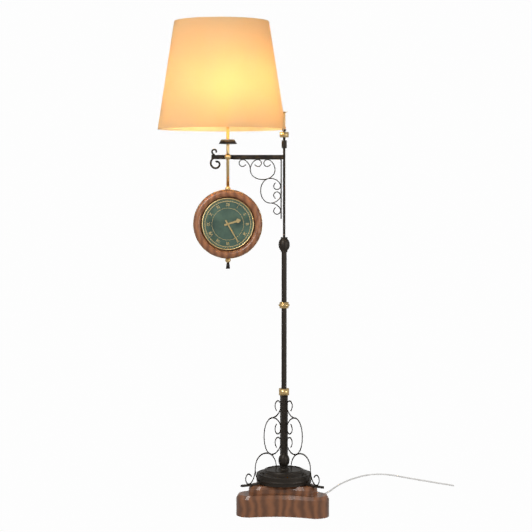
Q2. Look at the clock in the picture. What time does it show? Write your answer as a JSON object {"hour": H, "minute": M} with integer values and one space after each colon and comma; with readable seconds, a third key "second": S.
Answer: {"hour": 2, "minute": 25}
